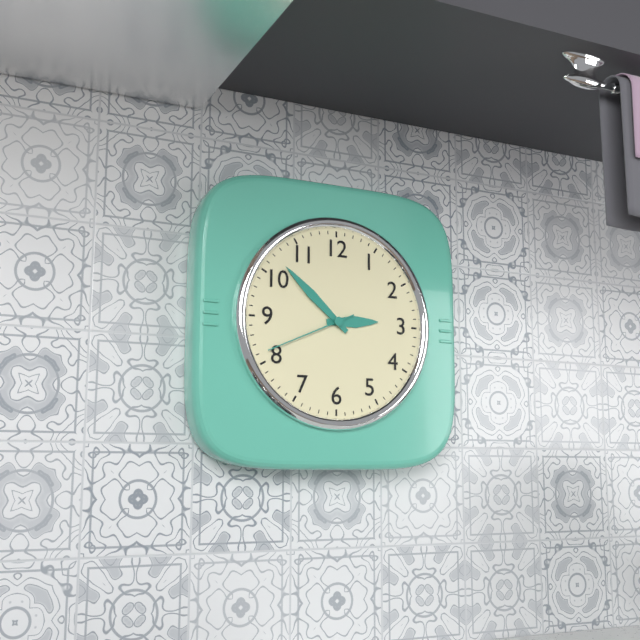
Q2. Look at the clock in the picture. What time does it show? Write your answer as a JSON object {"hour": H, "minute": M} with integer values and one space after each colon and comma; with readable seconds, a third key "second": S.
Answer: {"hour": 2, "minute": 52, "second": 41}
